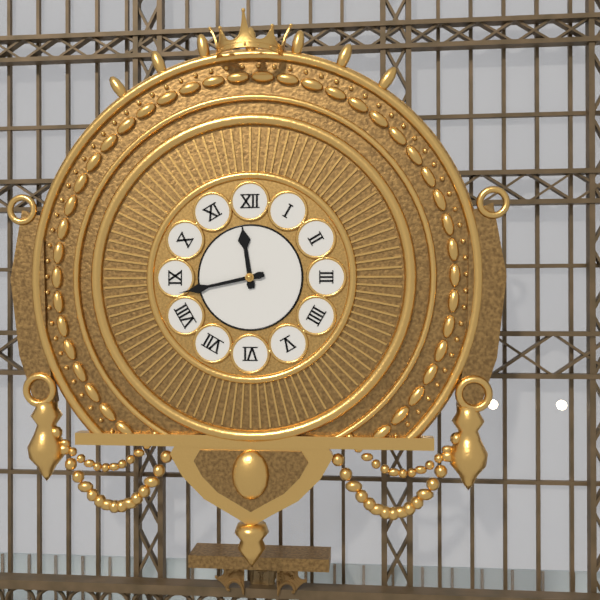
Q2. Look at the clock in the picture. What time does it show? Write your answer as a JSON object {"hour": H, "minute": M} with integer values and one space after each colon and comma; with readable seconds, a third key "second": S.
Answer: {"hour": 11, "minute": 43}
